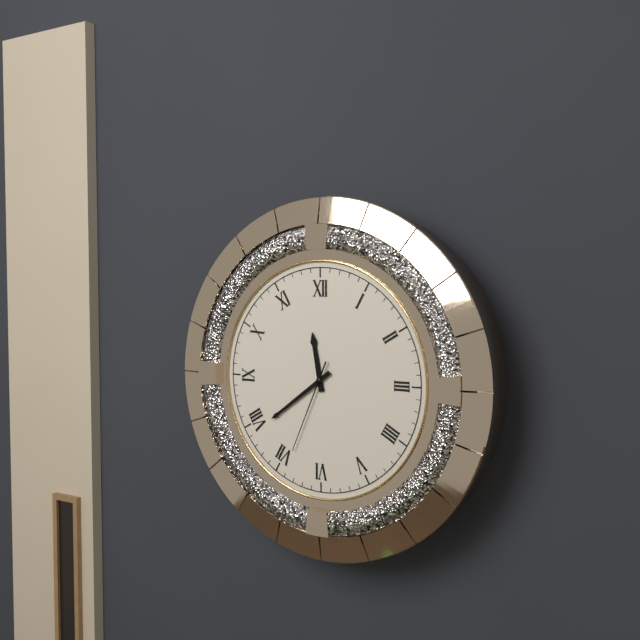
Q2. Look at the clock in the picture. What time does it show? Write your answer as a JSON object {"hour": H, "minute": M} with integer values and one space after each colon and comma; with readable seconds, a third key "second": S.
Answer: {"hour": 11, "minute": 39, "second": 34}
